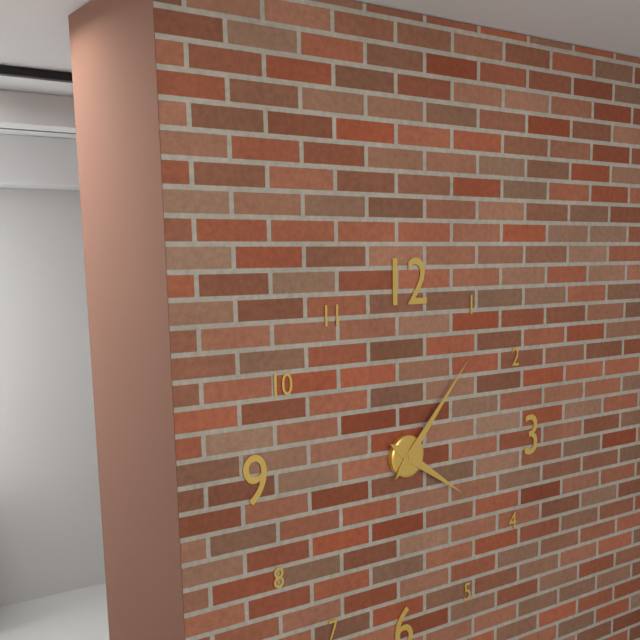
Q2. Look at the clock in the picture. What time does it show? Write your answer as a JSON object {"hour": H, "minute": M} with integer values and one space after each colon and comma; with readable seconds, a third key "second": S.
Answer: {"hour": 4, "minute": 7}
